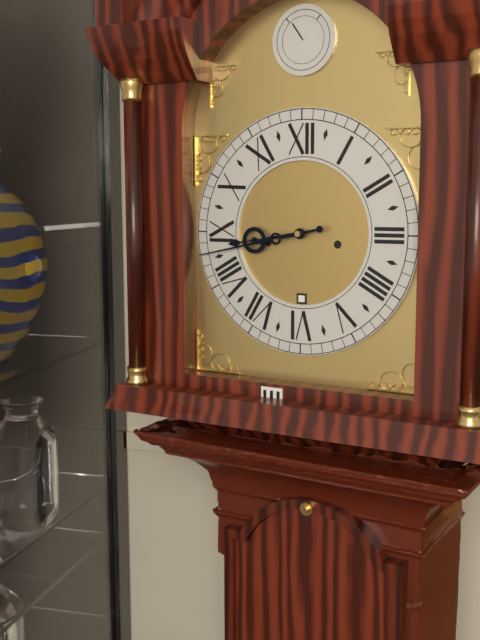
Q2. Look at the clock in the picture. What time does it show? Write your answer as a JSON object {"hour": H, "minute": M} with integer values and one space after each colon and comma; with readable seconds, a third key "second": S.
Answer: {"hour": 8, "minute": 43}
